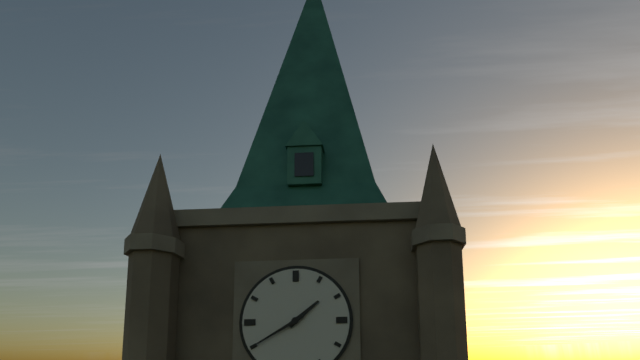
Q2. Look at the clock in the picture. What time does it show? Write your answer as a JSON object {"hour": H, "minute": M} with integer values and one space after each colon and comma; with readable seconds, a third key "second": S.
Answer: {"hour": 1, "minute": 40}
